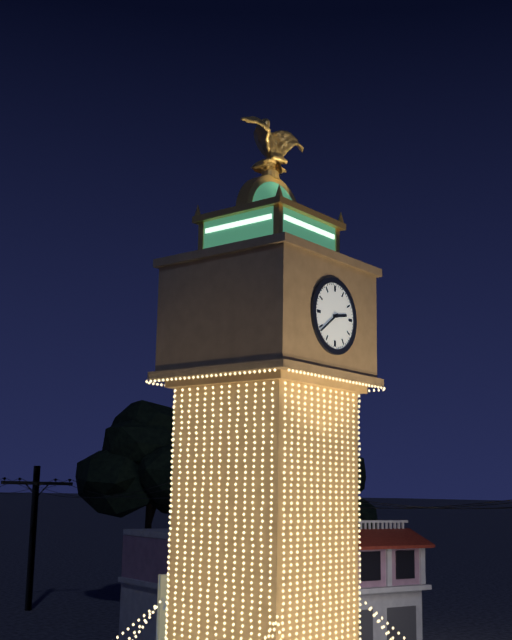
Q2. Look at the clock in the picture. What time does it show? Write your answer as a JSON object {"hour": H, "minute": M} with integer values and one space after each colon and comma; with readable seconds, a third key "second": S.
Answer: {"hour": 2, "minute": 39}
